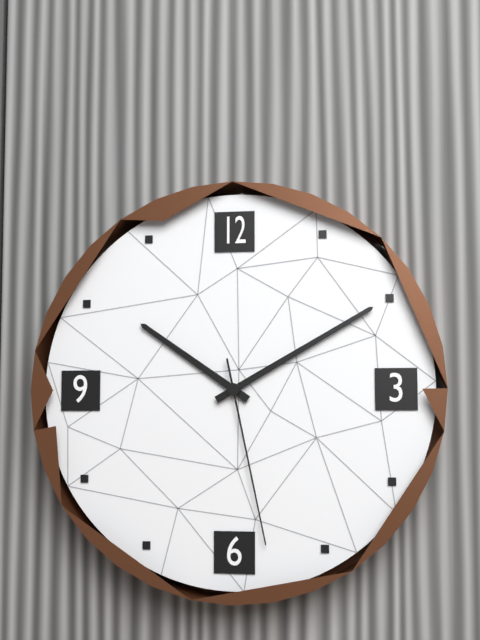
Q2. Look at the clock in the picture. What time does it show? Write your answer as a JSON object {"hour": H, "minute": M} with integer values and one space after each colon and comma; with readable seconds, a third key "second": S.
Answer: {"hour": 10, "minute": 10, "second": 28}
